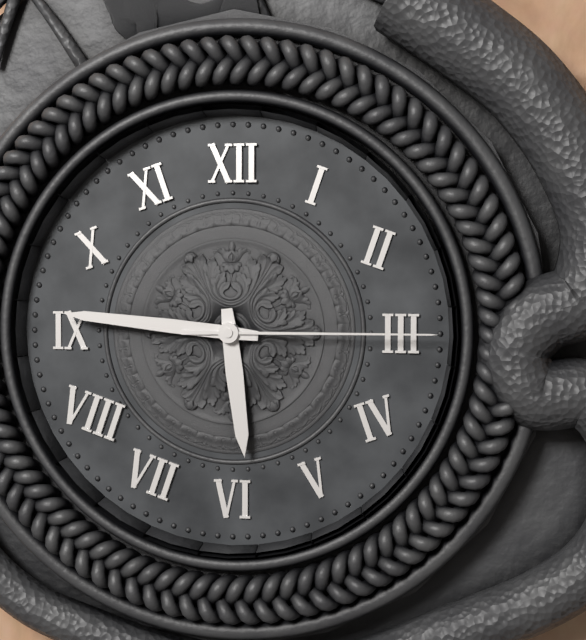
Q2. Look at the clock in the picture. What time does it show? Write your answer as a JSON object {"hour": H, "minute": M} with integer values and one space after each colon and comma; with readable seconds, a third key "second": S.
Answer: {"hour": 5, "minute": 46, "second": 15}
